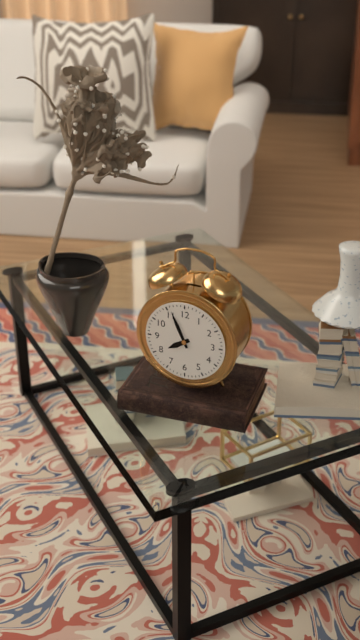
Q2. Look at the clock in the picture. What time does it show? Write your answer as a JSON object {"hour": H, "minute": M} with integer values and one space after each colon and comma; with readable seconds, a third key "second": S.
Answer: {"hour": 7, "minute": 56}
